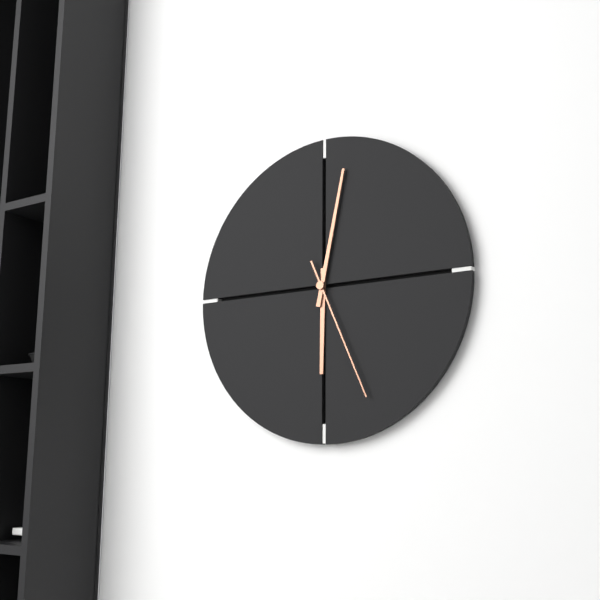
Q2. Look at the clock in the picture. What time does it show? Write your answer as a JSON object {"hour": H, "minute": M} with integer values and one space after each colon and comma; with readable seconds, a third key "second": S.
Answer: {"hour": 6, "minute": 2, "second": 26}
